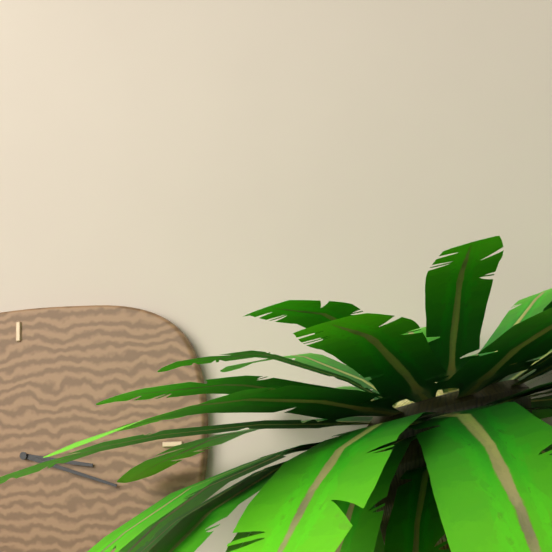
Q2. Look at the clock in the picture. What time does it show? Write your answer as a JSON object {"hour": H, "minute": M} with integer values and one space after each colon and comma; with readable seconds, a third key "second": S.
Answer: {"hour": 3, "minute": 18}
